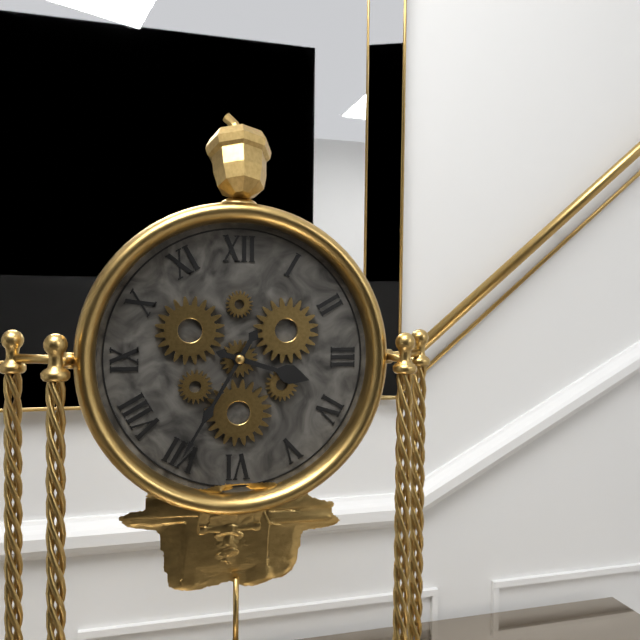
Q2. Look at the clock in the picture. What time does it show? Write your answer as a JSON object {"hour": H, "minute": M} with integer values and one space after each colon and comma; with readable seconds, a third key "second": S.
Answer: {"hour": 3, "minute": 35}
